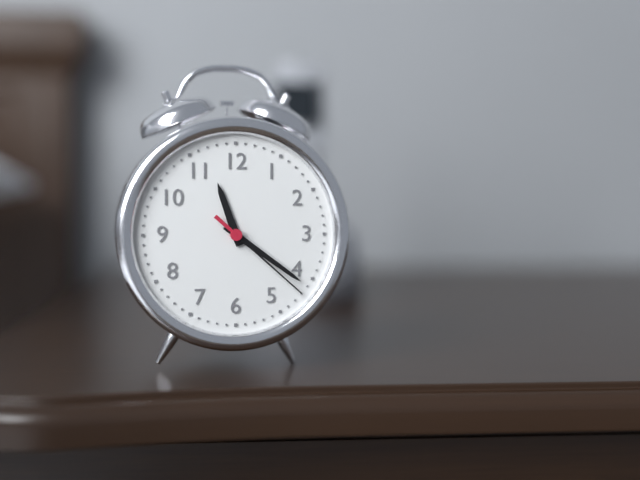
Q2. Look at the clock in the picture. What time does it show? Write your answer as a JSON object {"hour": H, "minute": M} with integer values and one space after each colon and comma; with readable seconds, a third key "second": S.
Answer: {"hour": 11, "minute": 21, "second": 22}
